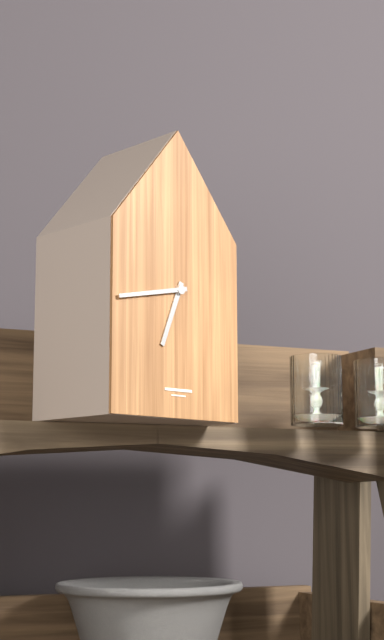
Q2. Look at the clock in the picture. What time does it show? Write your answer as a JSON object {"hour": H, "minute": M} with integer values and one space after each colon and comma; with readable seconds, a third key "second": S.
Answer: {"hour": 6, "minute": 43}
